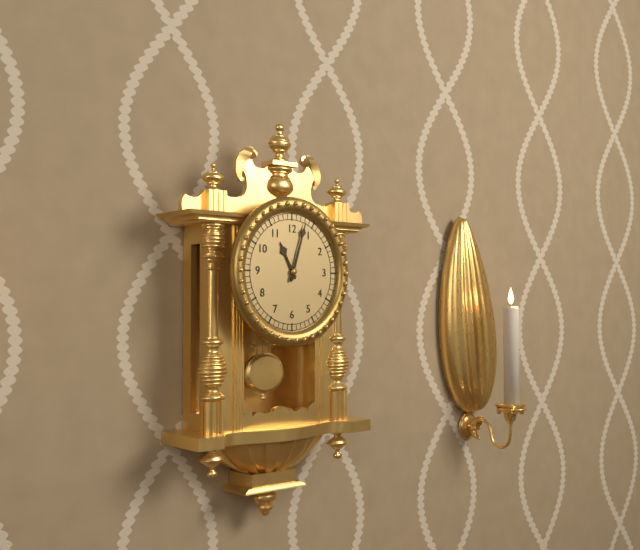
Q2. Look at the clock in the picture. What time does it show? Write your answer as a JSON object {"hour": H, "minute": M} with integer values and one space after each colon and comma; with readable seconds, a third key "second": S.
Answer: {"hour": 11, "minute": 3}
